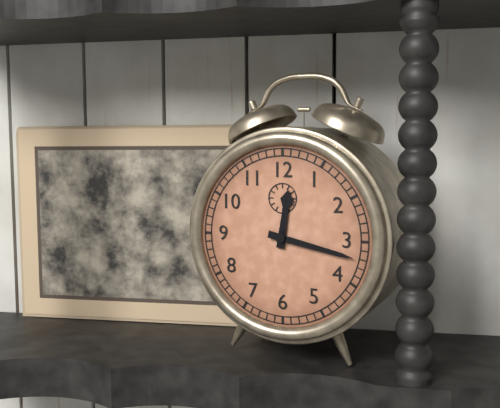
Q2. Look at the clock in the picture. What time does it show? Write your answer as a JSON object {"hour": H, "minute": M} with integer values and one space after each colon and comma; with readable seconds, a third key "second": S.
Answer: {"hour": 12, "minute": 17}
